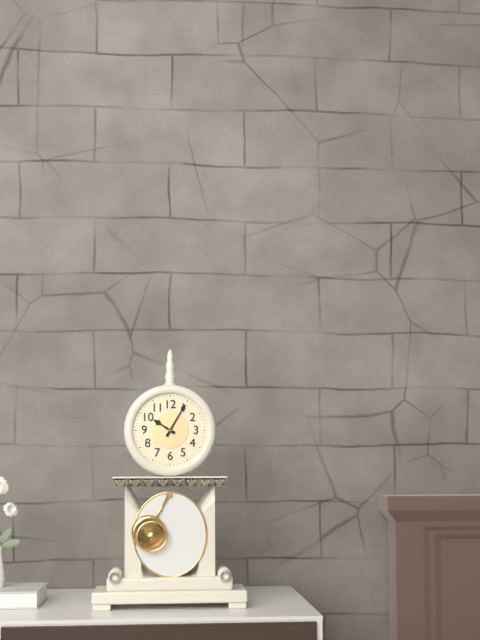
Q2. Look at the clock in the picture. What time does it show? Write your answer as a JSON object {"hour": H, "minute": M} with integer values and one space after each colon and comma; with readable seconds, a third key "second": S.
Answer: {"hour": 10, "minute": 5}
